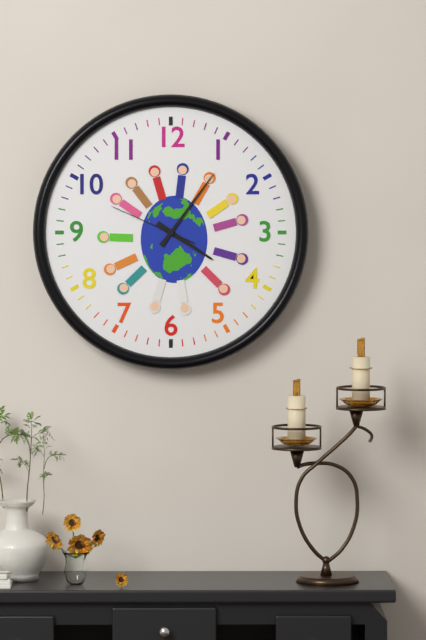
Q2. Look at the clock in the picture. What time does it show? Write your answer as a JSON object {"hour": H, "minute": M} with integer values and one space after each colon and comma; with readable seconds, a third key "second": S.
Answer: {"hour": 4, "minute": 6, "second": 49}
